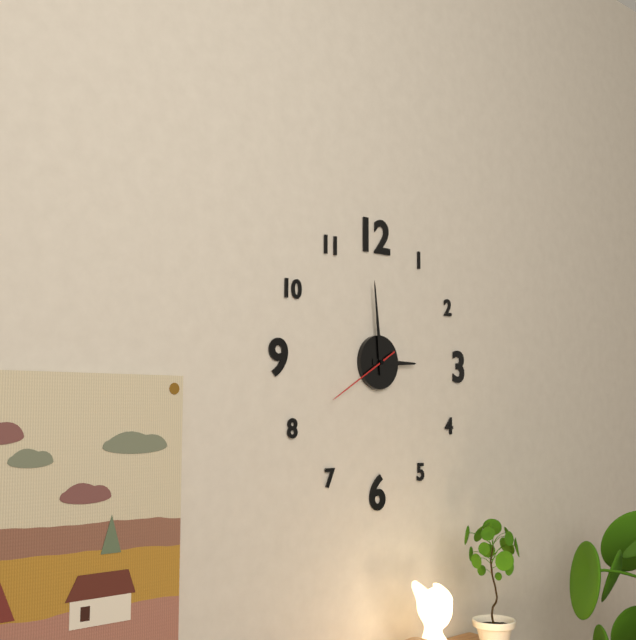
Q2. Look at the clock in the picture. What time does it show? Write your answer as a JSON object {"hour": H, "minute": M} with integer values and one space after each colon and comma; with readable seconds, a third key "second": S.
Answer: {"hour": 2, "minute": 59, "second": 40}
